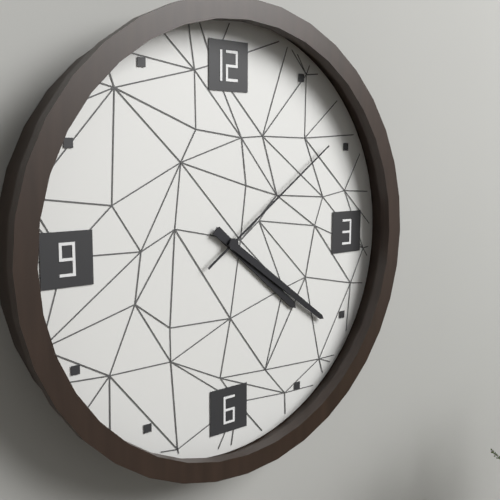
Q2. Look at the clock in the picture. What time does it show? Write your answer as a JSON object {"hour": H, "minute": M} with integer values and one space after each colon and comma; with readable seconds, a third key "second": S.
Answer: {"hour": 4, "minute": 21, "second": 9}
